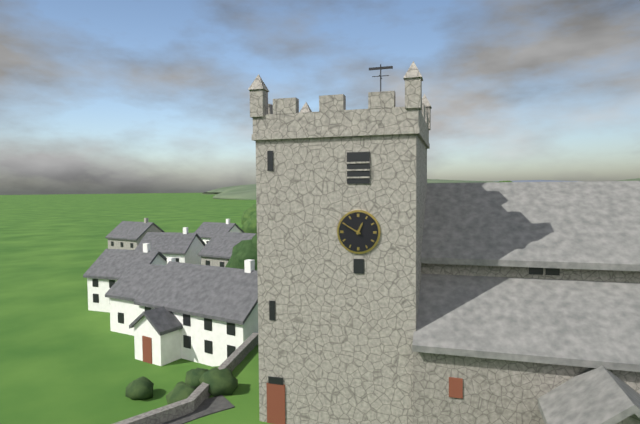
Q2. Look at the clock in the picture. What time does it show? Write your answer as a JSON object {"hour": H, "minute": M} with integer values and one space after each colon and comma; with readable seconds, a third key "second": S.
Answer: {"hour": 12, "minute": 50}
